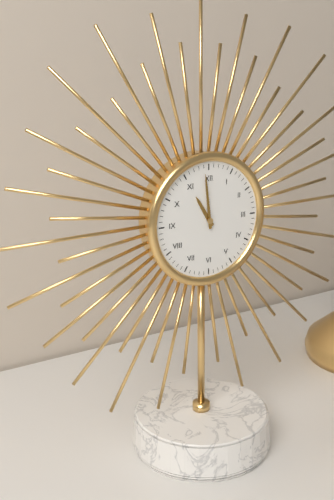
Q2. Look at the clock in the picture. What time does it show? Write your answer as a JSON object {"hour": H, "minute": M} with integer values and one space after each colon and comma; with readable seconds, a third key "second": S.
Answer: {"hour": 10, "minute": 59}
